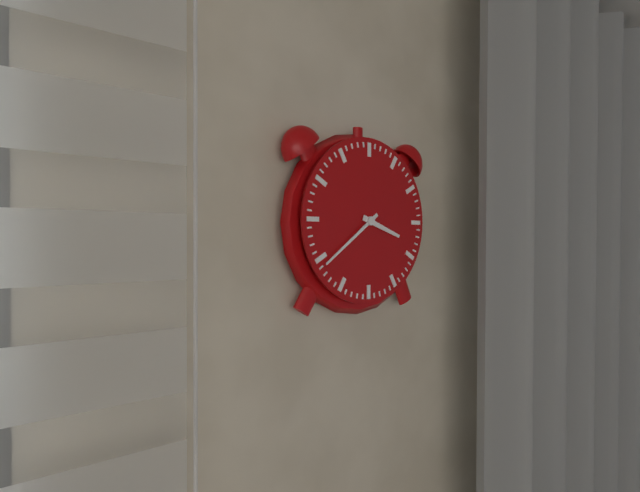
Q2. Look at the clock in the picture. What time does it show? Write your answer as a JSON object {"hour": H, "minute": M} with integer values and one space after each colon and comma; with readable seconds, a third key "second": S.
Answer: {"hour": 3, "minute": 39}
